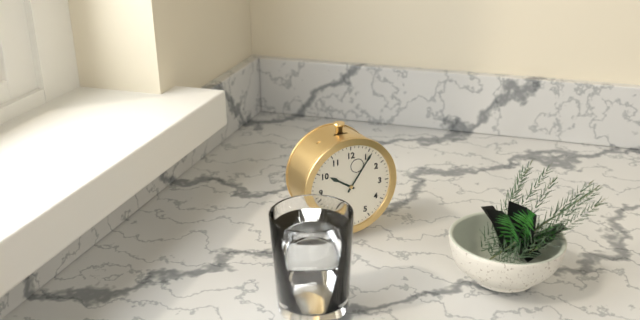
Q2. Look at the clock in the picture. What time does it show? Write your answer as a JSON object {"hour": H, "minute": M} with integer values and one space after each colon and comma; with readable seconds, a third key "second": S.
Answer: {"hour": 10, "minute": 6}
